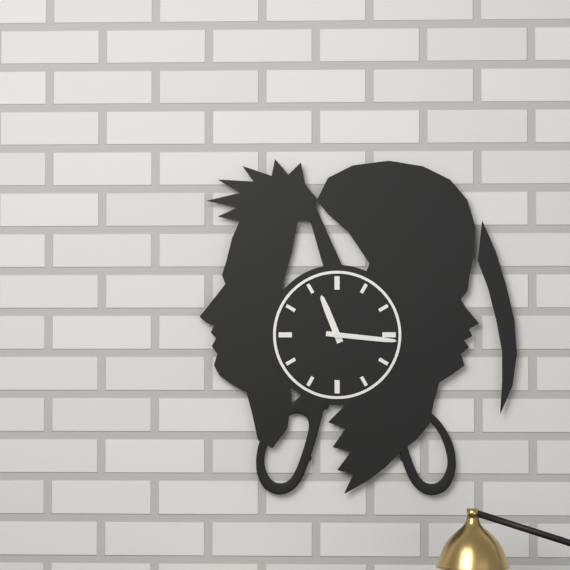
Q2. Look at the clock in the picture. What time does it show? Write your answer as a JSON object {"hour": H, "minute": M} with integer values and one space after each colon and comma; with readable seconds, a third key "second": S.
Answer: {"hour": 11, "minute": 16}
